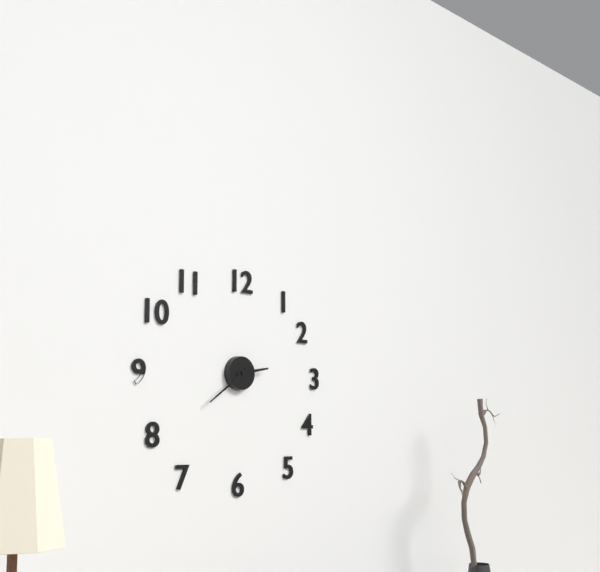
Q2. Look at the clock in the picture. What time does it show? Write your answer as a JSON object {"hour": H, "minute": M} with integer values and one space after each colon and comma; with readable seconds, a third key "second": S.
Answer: {"hour": 2, "minute": 39}
